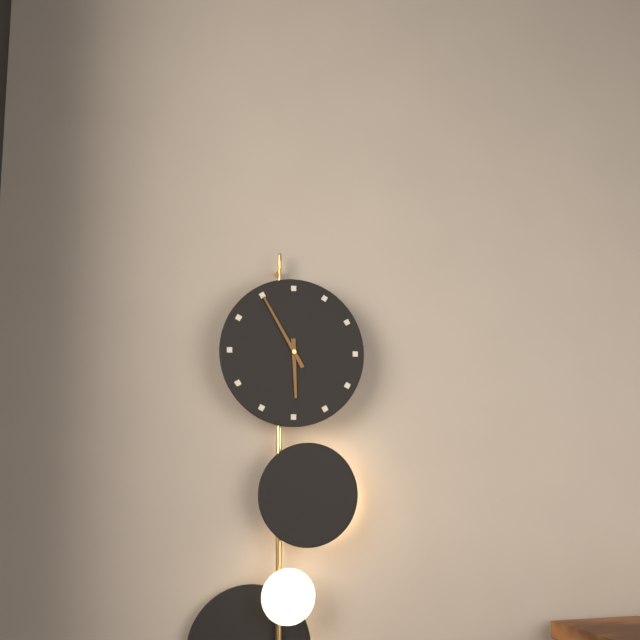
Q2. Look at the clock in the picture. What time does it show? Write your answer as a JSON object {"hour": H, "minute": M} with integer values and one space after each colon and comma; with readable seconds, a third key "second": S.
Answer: {"hour": 5, "minute": 55}
